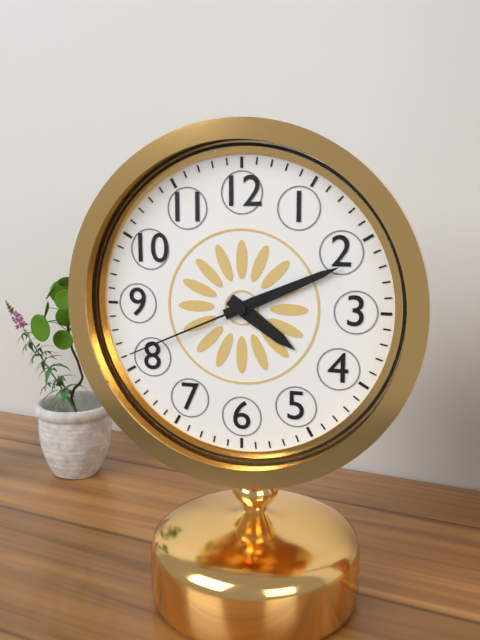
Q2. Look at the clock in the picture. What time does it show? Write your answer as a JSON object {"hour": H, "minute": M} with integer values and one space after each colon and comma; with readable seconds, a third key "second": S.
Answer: {"hour": 4, "minute": 11, "second": 41}
